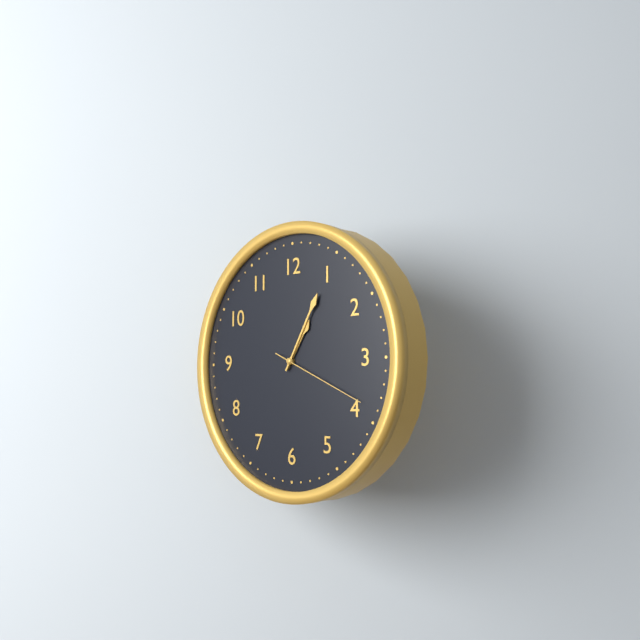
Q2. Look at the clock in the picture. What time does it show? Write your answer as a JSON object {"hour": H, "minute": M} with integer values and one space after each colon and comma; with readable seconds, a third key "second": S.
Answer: {"hour": 1, "minute": 5, "second": 19}
